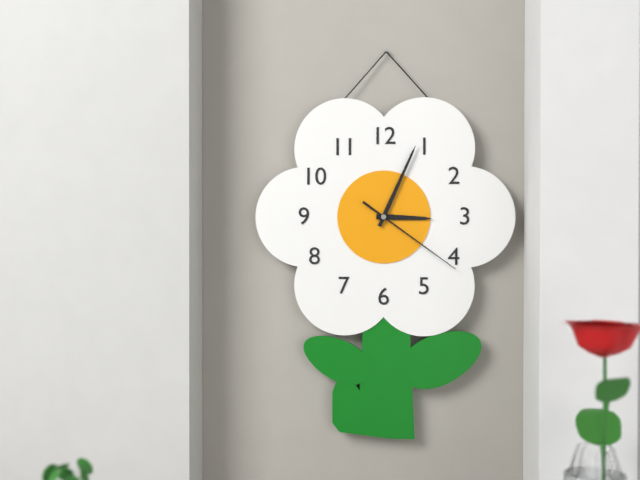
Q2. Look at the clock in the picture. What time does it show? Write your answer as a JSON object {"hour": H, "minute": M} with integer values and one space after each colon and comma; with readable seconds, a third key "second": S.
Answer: {"hour": 3, "minute": 4, "second": 21}
